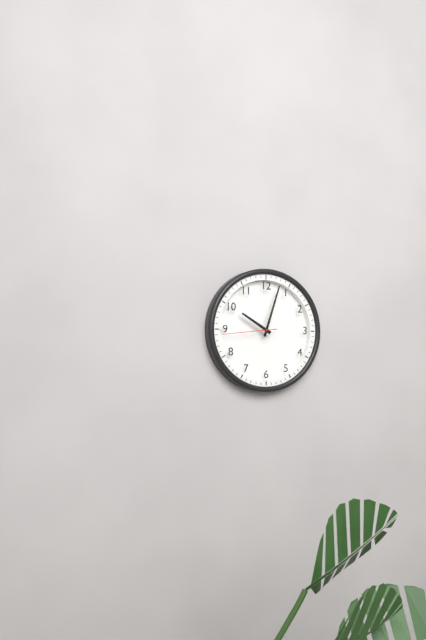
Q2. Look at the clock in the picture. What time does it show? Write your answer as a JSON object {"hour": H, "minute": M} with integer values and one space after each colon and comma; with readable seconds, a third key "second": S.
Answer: {"hour": 10, "minute": 3, "second": 44}
